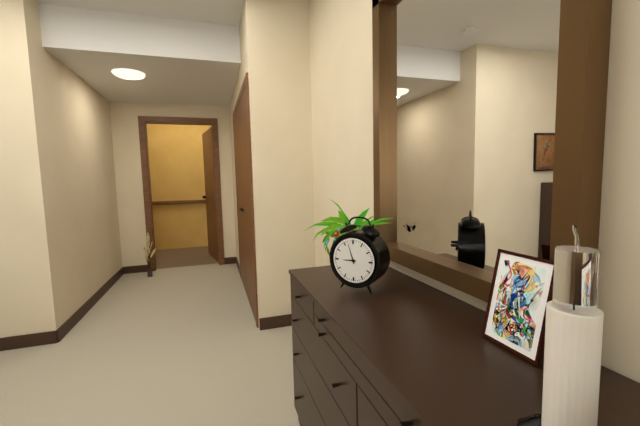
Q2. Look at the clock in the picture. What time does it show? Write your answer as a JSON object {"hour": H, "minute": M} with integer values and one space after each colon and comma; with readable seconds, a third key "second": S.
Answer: {"hour": 8, "minute": 57}
